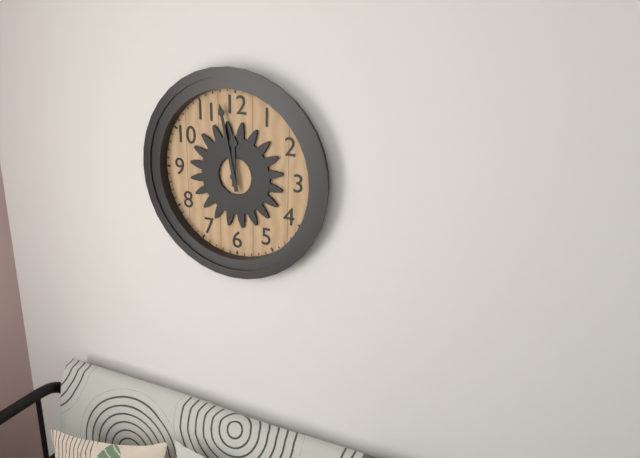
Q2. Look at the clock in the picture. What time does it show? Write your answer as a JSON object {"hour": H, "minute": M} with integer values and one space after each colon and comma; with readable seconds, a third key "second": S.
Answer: {"hour": 11, "minute": 58}
